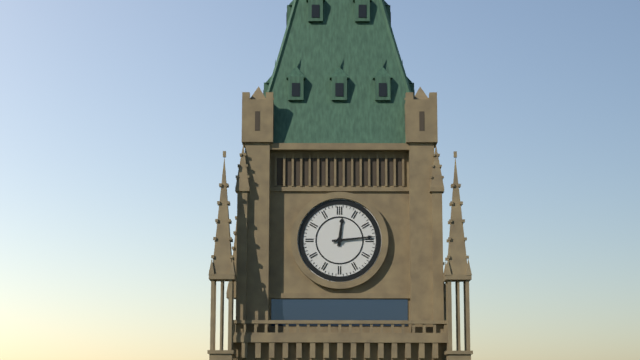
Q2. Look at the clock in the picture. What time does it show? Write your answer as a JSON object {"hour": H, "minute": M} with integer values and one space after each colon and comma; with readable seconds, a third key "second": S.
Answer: {"hour": 12, "minute": 14}
